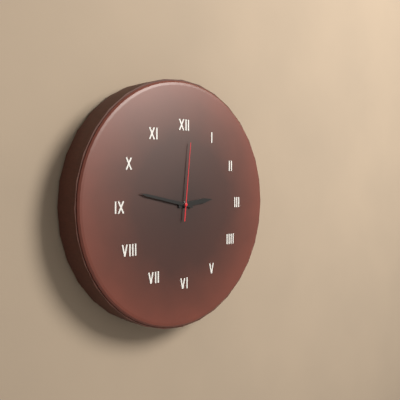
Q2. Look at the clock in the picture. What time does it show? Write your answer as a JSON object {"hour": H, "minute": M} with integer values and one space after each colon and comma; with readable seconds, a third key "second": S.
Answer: {"hour": 2, "minute": 47, "second": 1}
